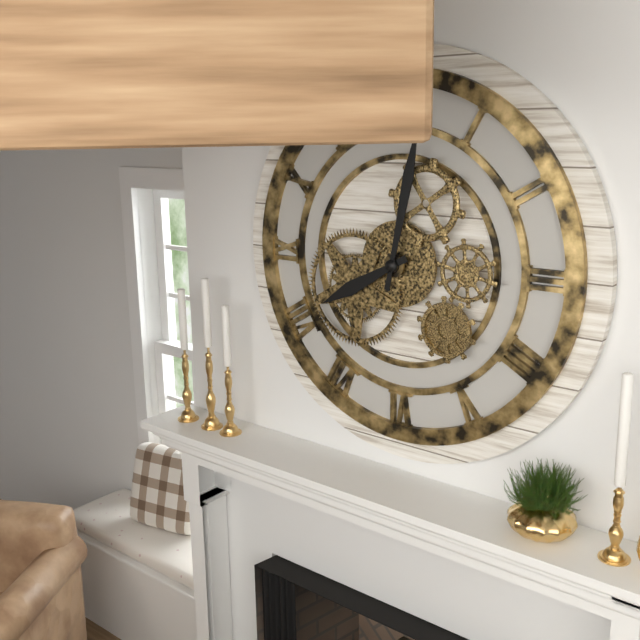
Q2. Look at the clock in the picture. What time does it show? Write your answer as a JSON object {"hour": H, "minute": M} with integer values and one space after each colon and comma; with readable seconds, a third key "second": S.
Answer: {"hour": 8, "minute": 2}
